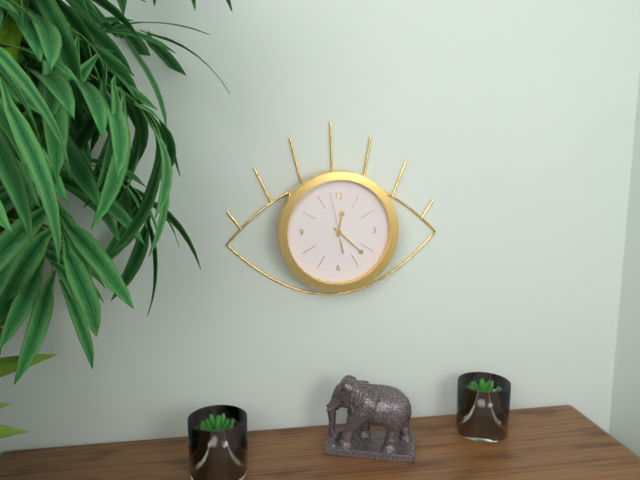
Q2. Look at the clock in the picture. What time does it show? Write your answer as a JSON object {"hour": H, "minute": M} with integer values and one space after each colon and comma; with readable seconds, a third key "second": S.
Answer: {"hour": 12, "minute": 22, "second": 58}
